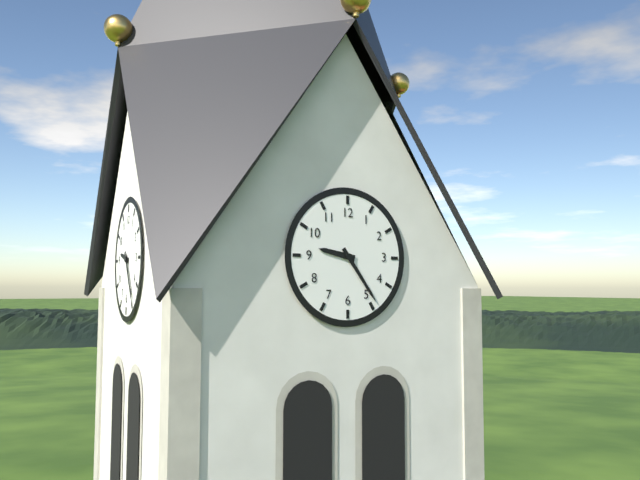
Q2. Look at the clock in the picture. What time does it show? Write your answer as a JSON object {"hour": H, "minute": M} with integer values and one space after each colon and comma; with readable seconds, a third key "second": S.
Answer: {"hour": 9, "minute": 24}
